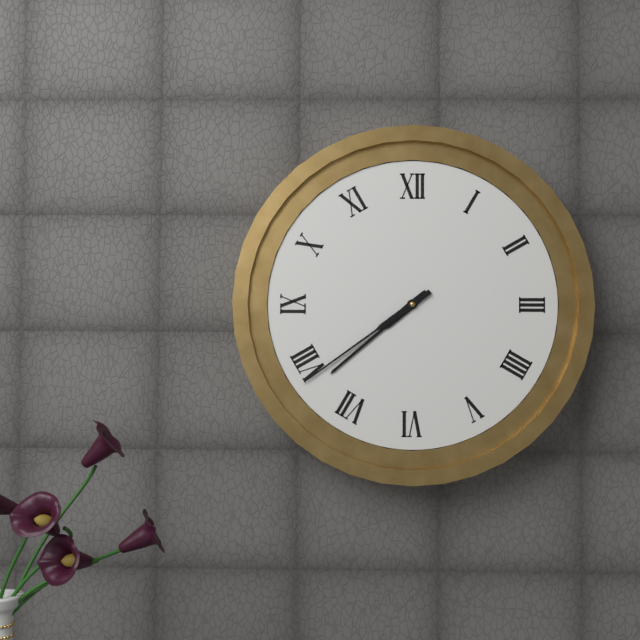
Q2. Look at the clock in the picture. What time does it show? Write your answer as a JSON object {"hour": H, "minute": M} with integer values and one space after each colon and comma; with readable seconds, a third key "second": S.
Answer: {"hour": 7, "minute": 39}
